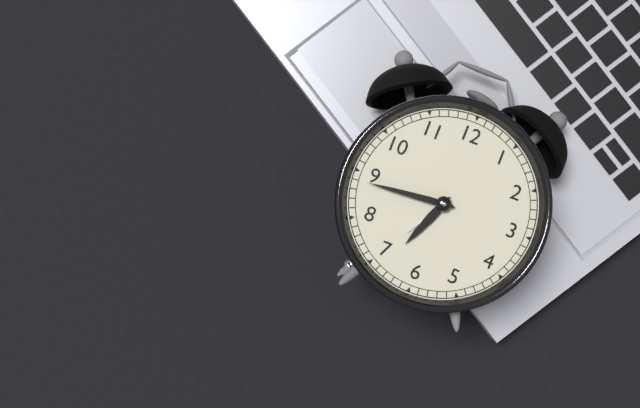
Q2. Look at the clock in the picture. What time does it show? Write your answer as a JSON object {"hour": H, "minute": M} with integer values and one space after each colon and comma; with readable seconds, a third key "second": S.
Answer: {"hour": 6, "minute": 44}
